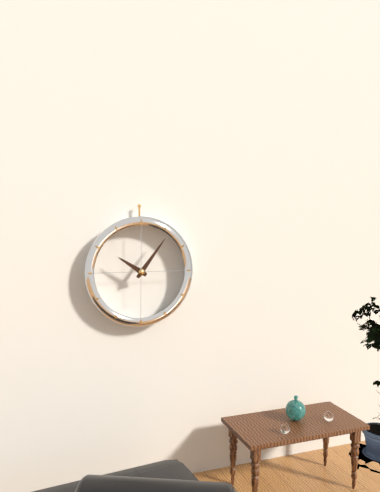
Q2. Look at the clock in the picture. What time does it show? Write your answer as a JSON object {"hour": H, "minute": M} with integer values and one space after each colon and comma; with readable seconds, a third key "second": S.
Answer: {"hour": 10, "minute": 6}
